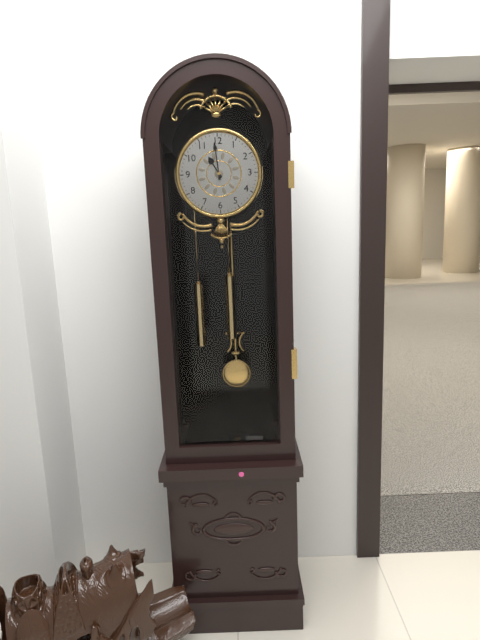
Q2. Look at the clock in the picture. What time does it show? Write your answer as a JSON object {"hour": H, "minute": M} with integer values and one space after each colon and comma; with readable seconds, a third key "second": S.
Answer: {"hour": 10, "minute": 59}
